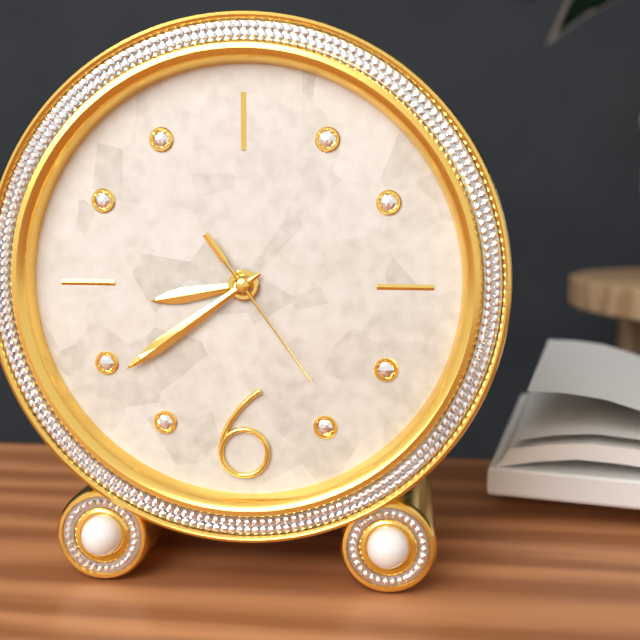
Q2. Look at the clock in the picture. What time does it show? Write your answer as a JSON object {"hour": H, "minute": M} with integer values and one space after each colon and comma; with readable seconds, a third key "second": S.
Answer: {"hour": 8, "minute": 39, "second": 24}
